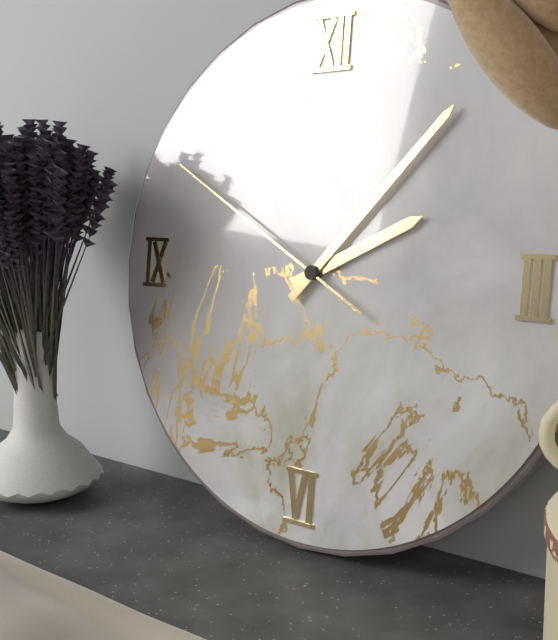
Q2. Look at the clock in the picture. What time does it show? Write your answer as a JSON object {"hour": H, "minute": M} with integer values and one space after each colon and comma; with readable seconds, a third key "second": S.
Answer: {"hour": 2, "minute": 7, "second": 50}
